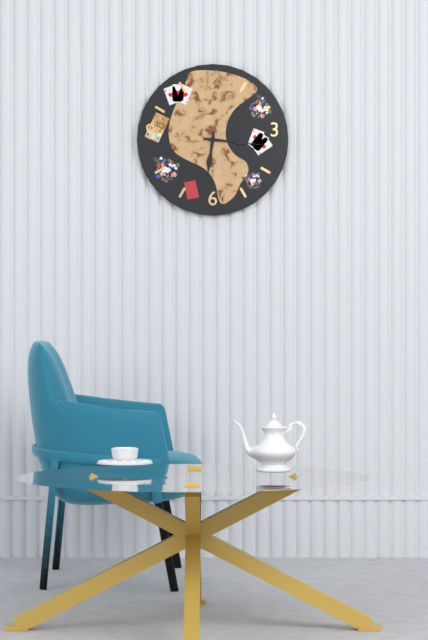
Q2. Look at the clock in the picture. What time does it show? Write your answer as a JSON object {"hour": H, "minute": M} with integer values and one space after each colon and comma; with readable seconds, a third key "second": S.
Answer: {"hour": 6, "minute": 16}
